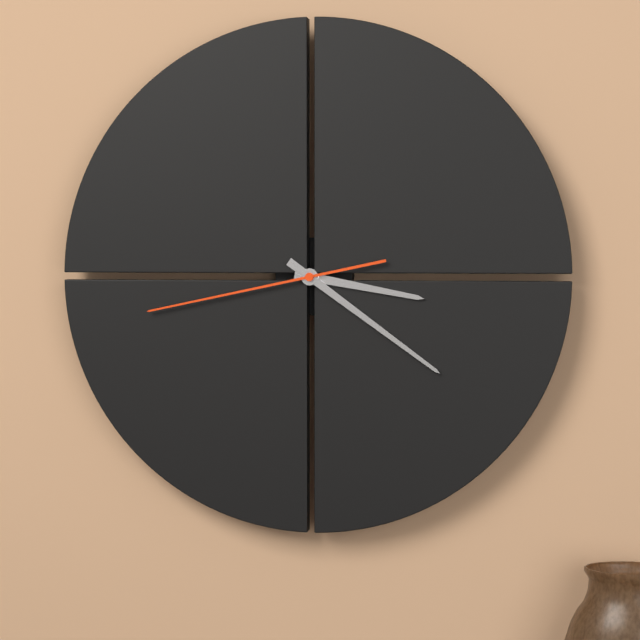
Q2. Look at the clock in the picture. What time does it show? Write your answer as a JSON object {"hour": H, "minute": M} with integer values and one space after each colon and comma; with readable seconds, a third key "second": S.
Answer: {"hour": 3, "minute": 21, "second": 43}
